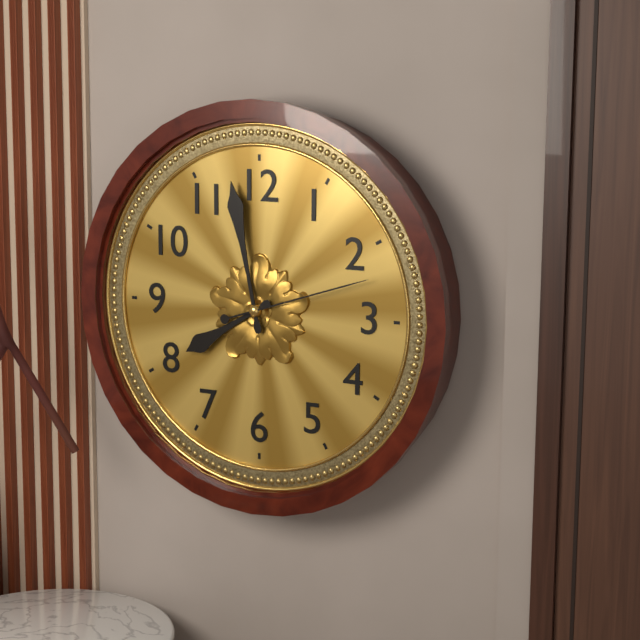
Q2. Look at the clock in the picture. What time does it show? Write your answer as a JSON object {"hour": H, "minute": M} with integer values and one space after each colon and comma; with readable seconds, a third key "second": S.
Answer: {"hour": 7, "minute": 58, "second": 12}
